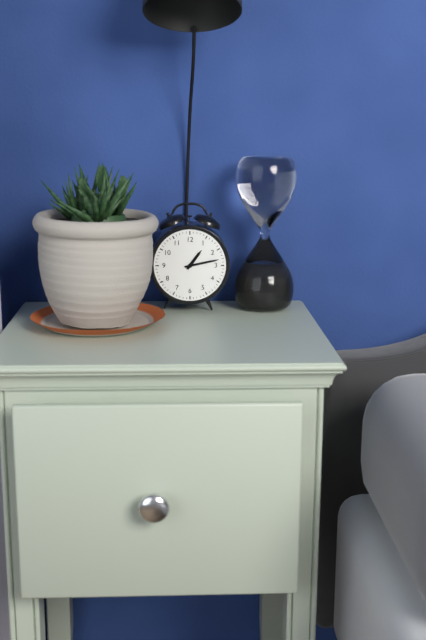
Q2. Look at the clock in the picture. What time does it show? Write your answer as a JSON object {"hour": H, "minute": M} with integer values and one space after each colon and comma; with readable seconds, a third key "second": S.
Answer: {"hour": 1, "minute": 13}
